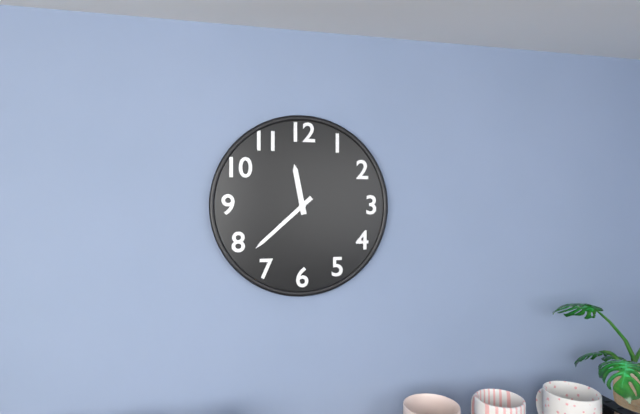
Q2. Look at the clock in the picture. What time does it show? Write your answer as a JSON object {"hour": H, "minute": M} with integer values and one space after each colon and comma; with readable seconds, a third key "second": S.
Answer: {"hour": 11, "minute": 38}
